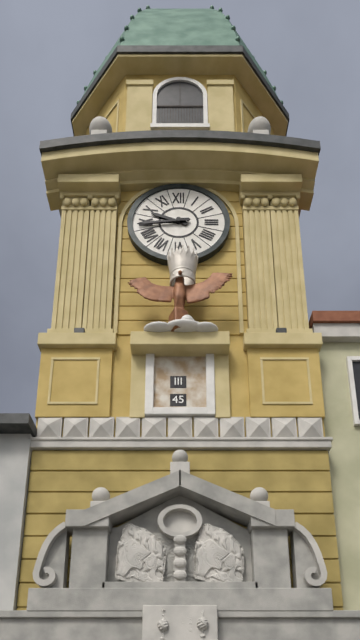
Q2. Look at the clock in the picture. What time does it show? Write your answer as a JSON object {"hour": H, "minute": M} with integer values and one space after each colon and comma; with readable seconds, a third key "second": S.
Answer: {"hour": 9, "minute": 44}
